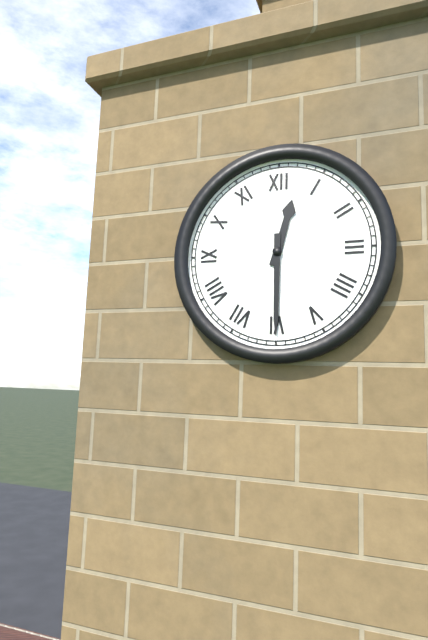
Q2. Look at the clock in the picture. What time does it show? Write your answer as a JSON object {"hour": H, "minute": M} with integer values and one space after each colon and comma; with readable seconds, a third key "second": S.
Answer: {"hour": 12, "minute": 30}
